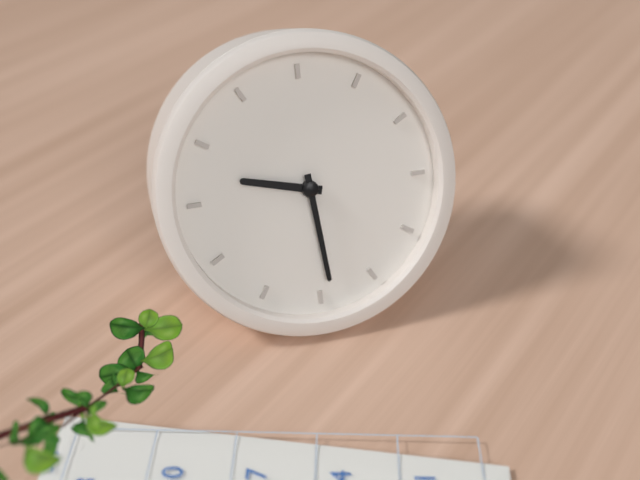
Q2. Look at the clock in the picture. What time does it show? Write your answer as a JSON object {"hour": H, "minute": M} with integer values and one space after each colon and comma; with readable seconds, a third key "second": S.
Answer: {"hour": 9, "minute": 29}
